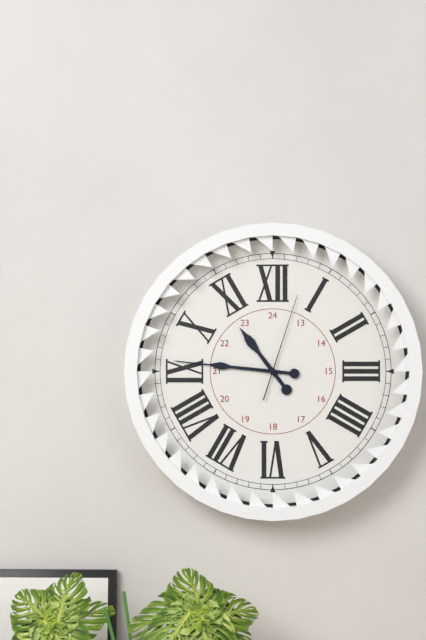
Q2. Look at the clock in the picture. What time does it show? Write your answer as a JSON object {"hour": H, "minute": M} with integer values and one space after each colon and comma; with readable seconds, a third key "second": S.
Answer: {"hour": 10, "minute": 46, "second": 3}
